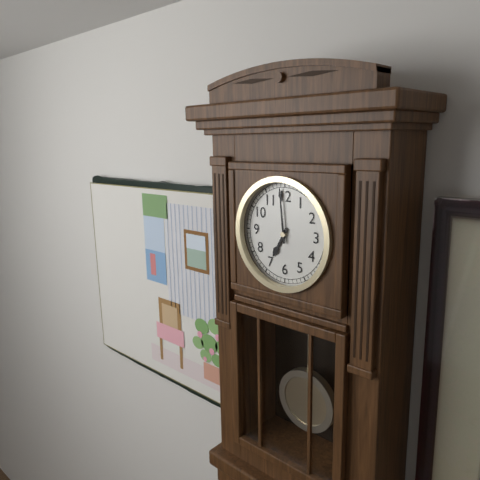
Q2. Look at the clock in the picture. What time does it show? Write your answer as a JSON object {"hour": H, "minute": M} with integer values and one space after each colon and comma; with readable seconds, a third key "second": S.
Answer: {"hour": 6, "minute": 59}
